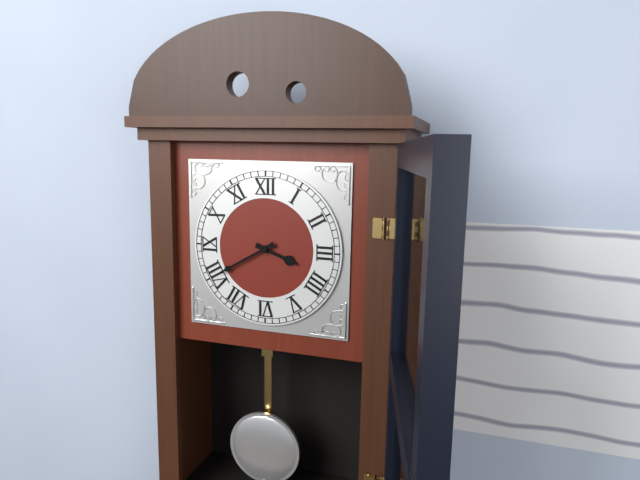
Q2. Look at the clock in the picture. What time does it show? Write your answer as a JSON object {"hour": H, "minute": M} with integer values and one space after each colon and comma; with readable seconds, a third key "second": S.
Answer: {"hour": 3, "minute": 40}
